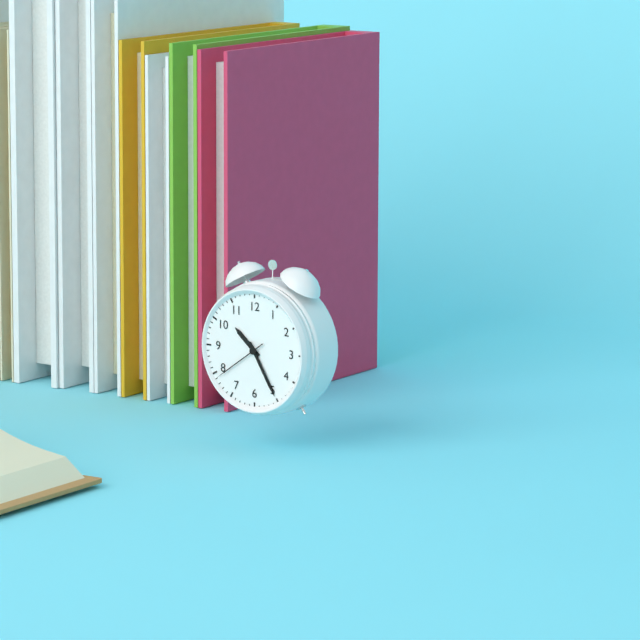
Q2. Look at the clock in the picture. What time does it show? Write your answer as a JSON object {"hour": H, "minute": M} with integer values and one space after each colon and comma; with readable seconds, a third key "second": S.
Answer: {"hour": 10, "minute": 25, "second": 39}
